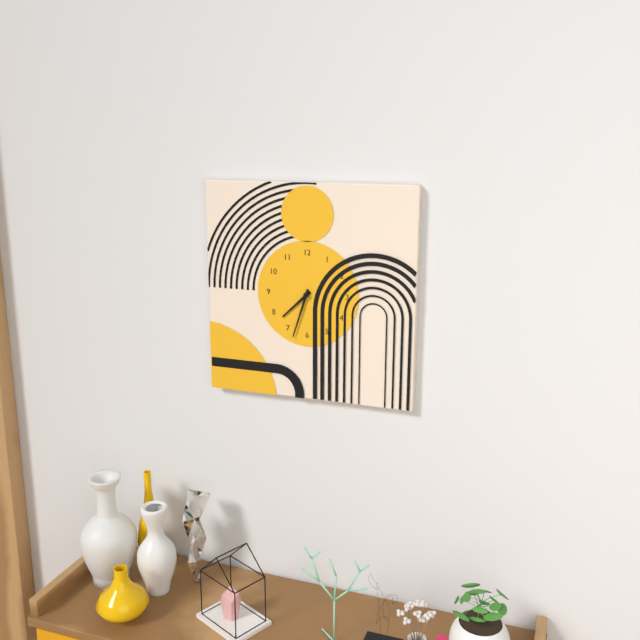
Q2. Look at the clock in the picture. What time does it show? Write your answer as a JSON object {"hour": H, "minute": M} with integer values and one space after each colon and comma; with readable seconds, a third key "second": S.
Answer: {"hour": 7, "minute": 33}
